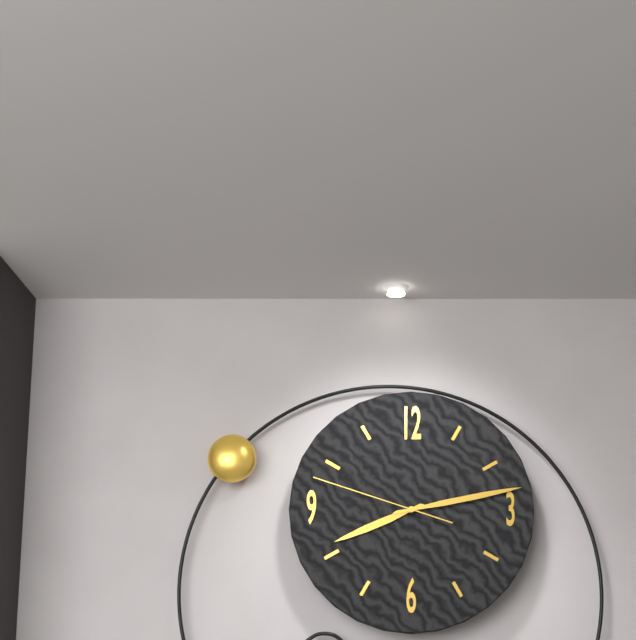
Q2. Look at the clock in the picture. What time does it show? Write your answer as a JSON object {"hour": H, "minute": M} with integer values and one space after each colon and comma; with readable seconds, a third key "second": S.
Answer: {"hour": 8, "minute": 13, "second": 48}
